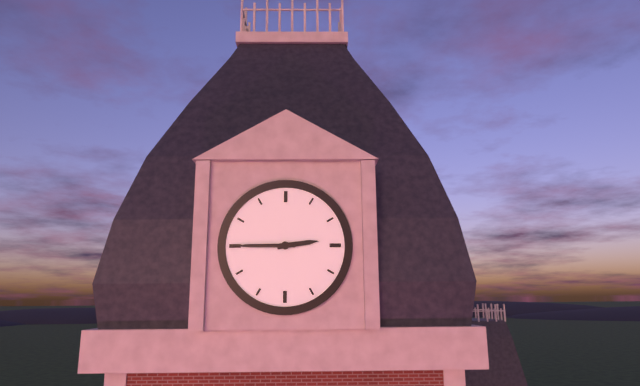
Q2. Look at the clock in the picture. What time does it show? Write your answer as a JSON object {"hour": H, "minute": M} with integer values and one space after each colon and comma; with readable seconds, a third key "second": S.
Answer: {"hour": 2, "minute": 45}
